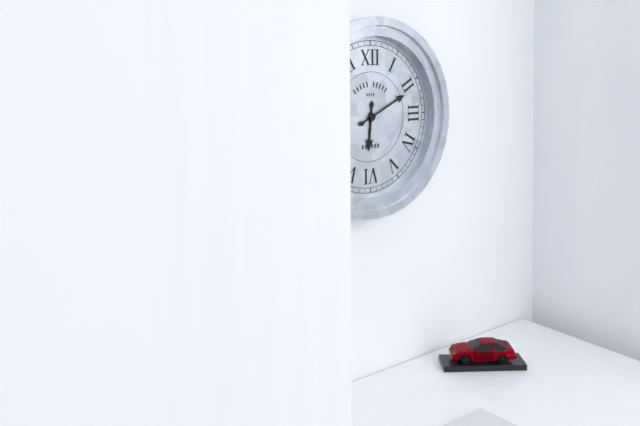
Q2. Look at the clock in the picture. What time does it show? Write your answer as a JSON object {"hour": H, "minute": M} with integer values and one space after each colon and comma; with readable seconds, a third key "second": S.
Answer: {"hour": 6, "minute": 11}
